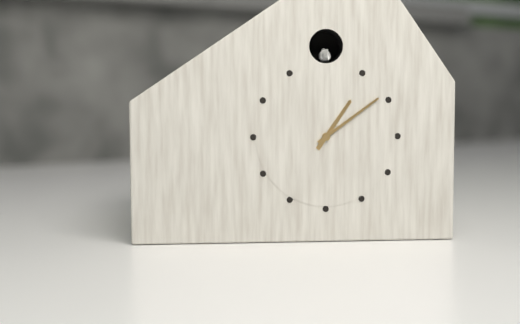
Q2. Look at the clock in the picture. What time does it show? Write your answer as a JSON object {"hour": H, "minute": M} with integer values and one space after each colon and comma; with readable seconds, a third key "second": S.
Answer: {"hour": 1, "minute": 9}
